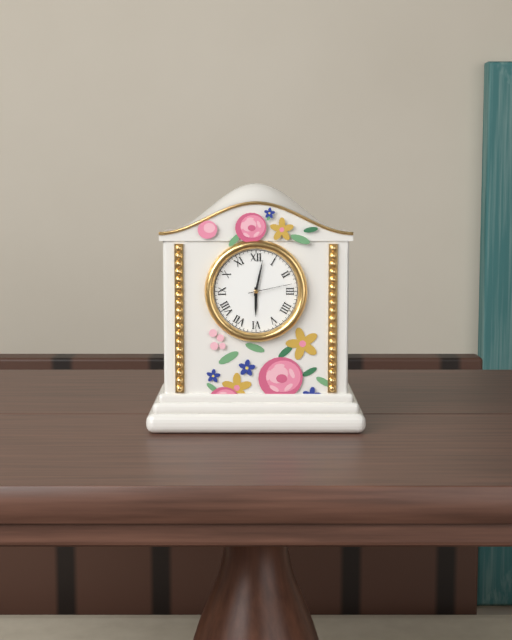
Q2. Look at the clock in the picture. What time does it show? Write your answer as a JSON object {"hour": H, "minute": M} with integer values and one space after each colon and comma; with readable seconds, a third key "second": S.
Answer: {"hour": 6, "minute": 2}
